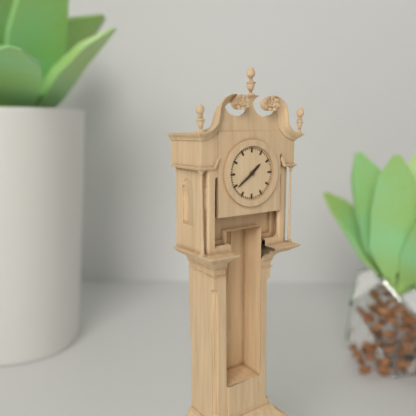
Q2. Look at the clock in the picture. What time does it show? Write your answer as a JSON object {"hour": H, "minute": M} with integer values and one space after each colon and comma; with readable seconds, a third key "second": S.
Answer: {"hour": 1, "minute": 39}
